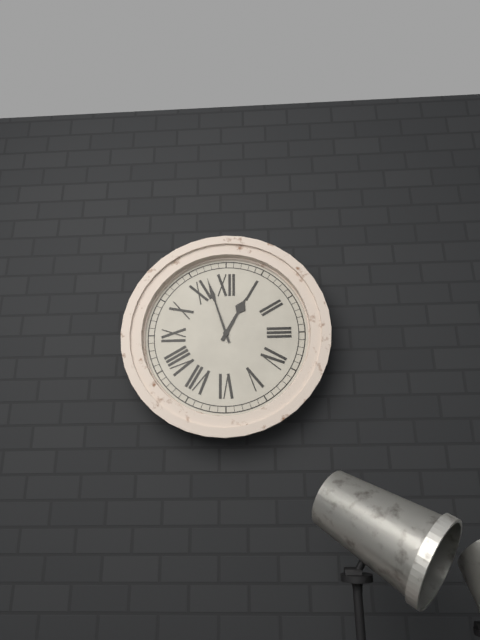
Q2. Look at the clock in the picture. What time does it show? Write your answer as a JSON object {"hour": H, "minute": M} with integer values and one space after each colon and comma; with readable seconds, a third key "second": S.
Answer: {"hour": 12, "minute": 57}
